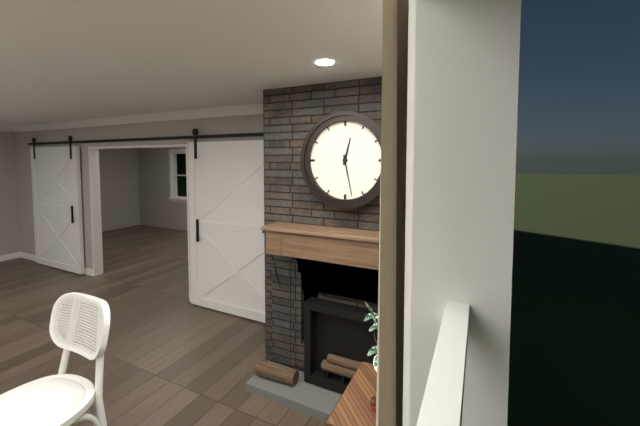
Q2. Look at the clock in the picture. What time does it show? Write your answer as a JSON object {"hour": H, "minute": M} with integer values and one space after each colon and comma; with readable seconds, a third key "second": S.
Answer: {"hour": 12, "minute": 28}
